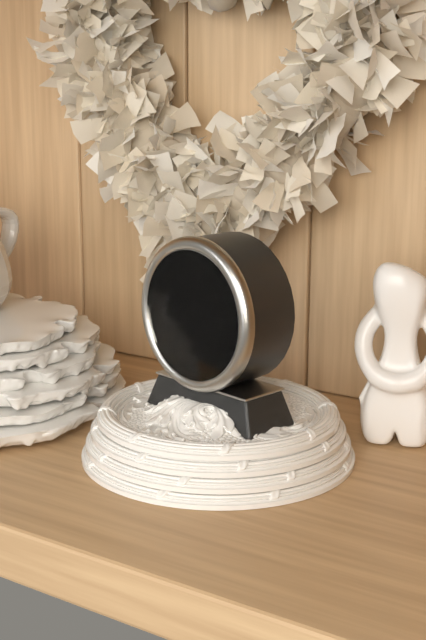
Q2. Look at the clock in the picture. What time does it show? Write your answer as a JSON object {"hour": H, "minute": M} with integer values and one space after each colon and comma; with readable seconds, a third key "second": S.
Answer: {"hour": 3, "minute": 47}
